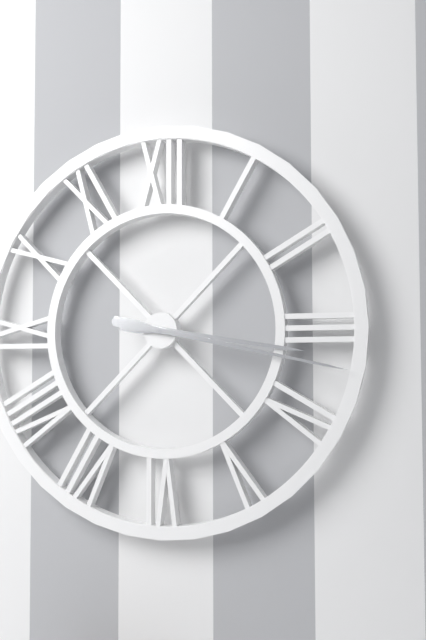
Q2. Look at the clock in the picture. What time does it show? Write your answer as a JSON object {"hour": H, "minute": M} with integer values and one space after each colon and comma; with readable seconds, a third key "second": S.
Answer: {"hour": 3, "minute": 17}
